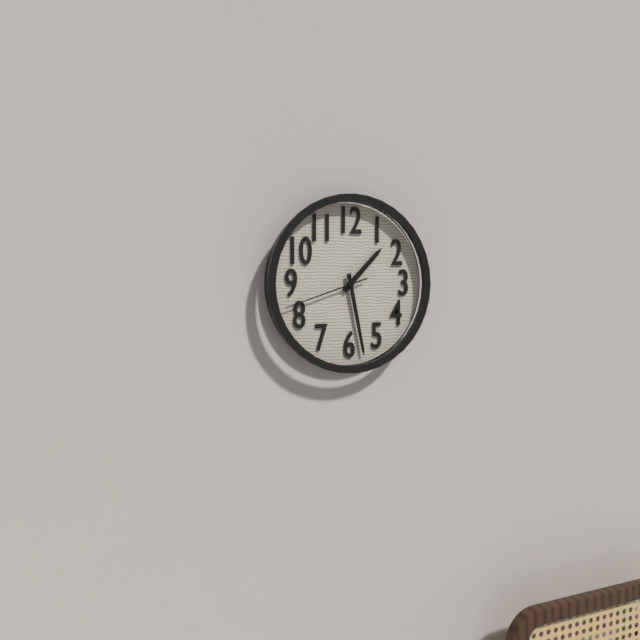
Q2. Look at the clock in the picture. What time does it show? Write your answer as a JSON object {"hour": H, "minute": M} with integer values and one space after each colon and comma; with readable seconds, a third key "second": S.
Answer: {"hour": 1, "minute": 28, "second": 42}
